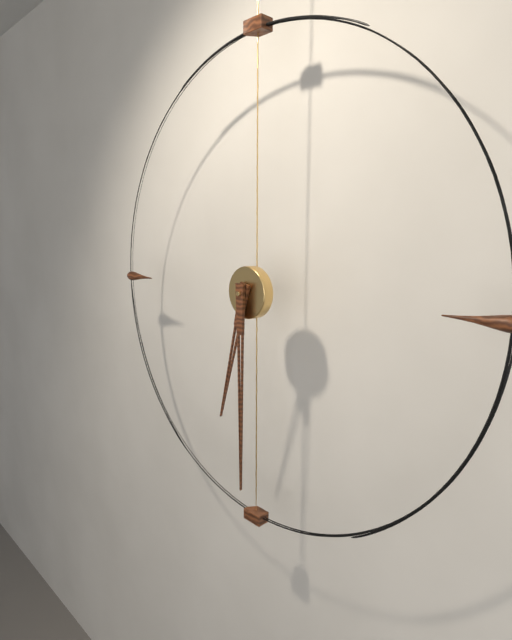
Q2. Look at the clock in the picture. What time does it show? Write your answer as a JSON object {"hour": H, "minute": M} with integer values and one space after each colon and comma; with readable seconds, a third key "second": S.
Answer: {"hour": 6, "minute": 30}
